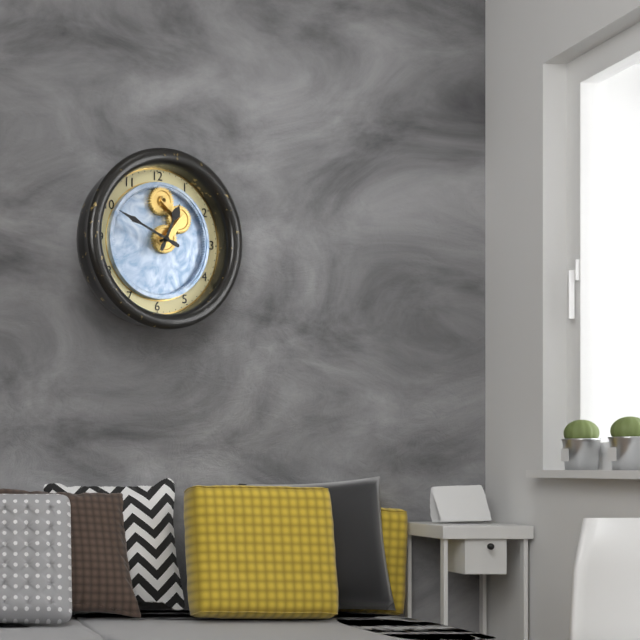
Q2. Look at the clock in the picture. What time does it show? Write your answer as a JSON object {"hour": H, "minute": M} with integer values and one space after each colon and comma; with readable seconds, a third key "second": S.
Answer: {"hour": 12, "minute": 49}
